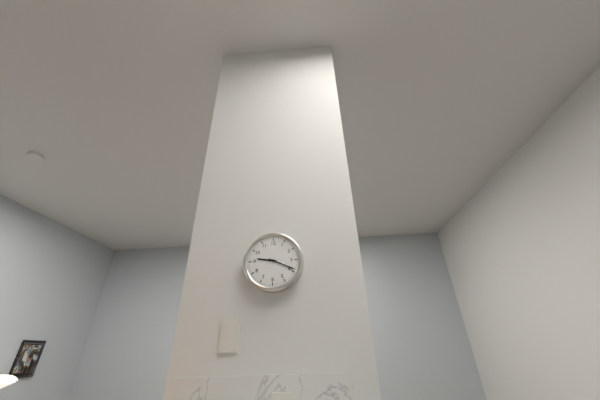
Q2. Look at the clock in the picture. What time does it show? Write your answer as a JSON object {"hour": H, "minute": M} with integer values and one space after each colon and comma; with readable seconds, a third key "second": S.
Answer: {"hour": 9, "minute": 19}
